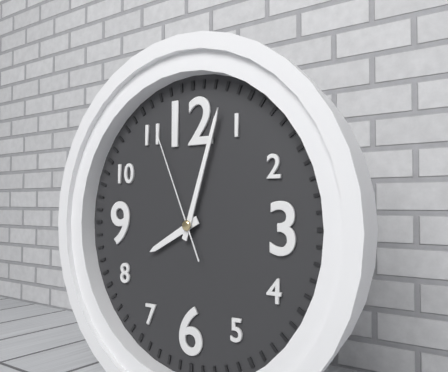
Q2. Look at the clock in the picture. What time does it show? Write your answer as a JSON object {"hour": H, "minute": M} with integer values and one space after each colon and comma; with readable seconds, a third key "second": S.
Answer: {"hour": 8, "minute": 3, "second": 56}
